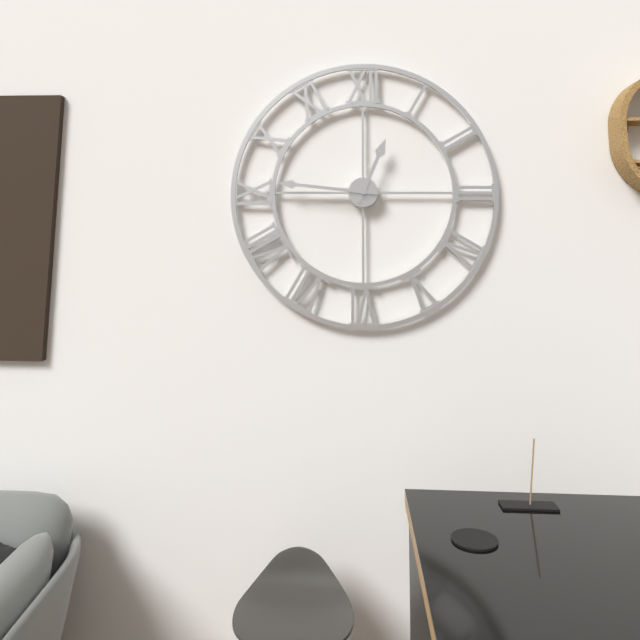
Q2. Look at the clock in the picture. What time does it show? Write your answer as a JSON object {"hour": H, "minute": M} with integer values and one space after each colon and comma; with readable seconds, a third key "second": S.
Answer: {"hour": 12, "minute": 46}
